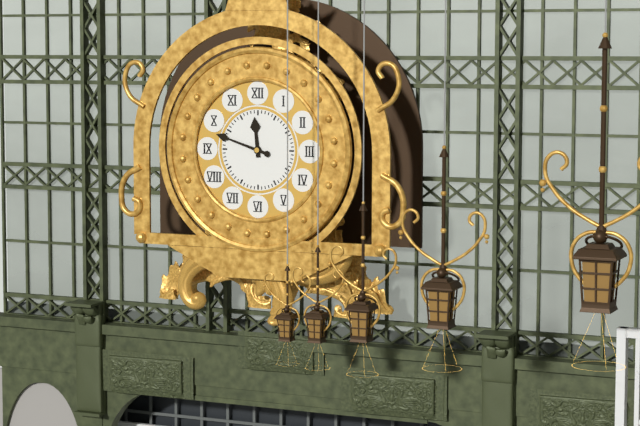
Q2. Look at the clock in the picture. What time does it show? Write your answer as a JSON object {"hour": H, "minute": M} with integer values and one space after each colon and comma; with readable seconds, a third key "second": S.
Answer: {"hour": 11, "minute": 48}
